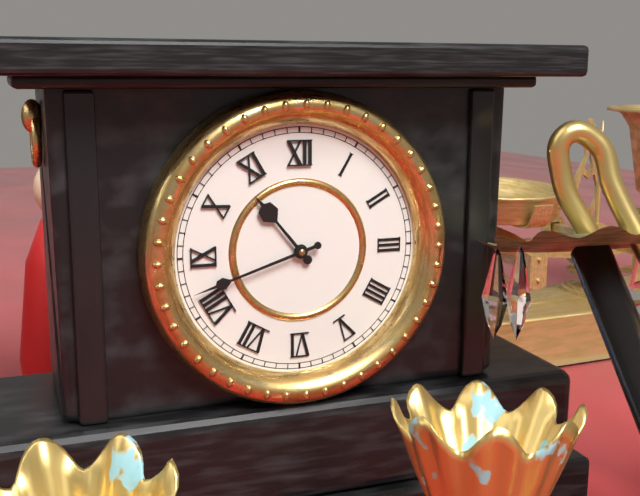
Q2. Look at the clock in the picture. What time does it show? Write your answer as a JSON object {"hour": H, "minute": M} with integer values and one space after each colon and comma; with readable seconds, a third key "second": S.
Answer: {"hour": 10, "minute": 42}
